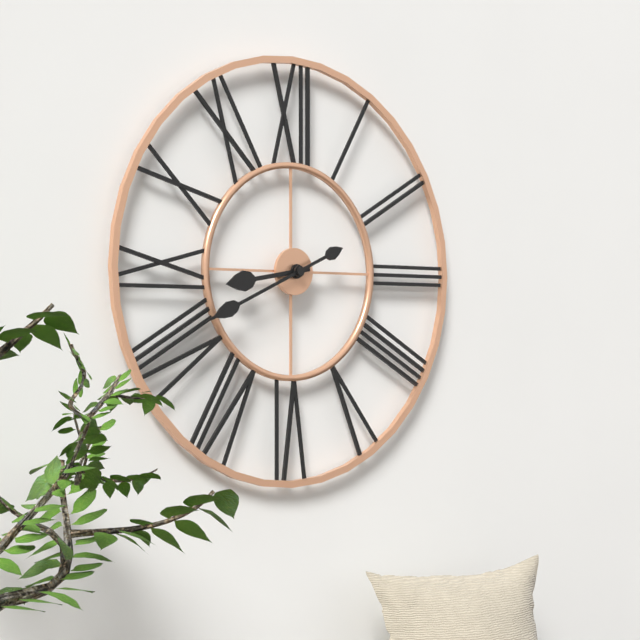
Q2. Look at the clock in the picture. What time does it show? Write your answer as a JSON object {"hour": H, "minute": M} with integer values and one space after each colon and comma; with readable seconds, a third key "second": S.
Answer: {"hour": 8, "minute": 41}
